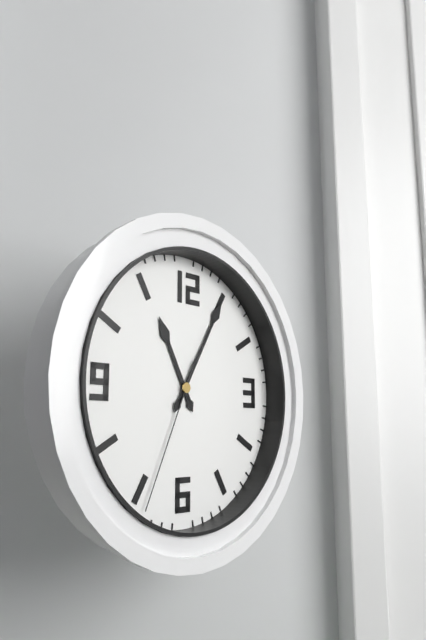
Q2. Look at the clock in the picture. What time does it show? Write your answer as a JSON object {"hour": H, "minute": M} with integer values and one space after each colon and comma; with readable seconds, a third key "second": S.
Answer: {"hour": 11, "minute": 5, "second": 34}
